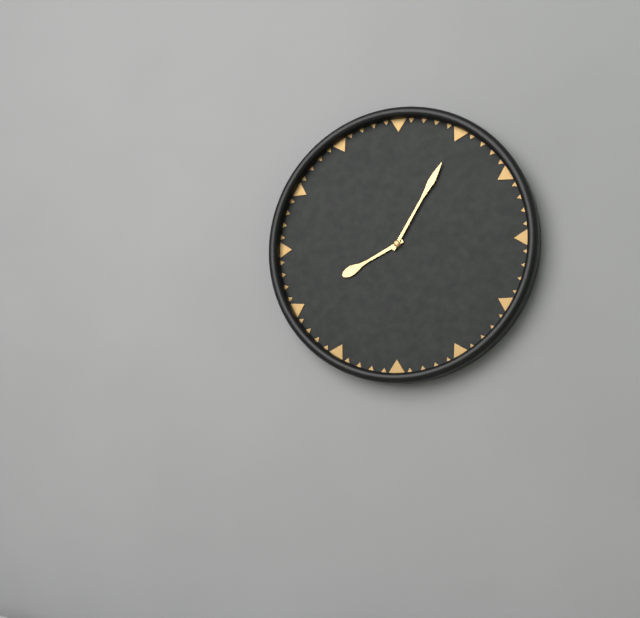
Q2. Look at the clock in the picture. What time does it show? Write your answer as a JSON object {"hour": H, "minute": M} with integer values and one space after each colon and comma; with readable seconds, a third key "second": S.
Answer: {"hour": 8, "minute": 5}
